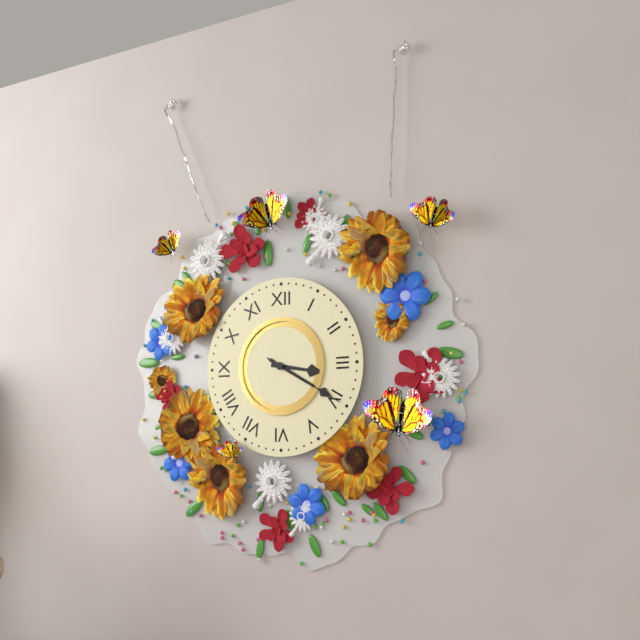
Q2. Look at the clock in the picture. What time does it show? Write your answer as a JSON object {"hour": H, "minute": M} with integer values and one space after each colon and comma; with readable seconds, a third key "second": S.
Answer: {"hour": 3, "minute": 20, "second": 20}
